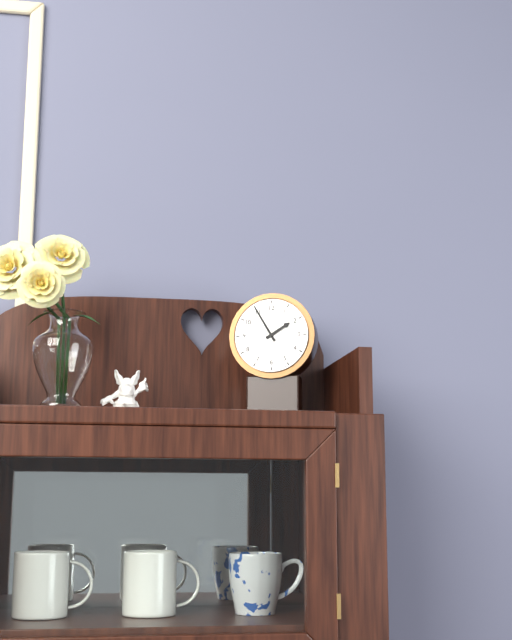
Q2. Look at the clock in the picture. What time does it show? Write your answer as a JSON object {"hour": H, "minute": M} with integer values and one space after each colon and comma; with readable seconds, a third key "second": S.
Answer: {"hour": 1, "minute": 55}
